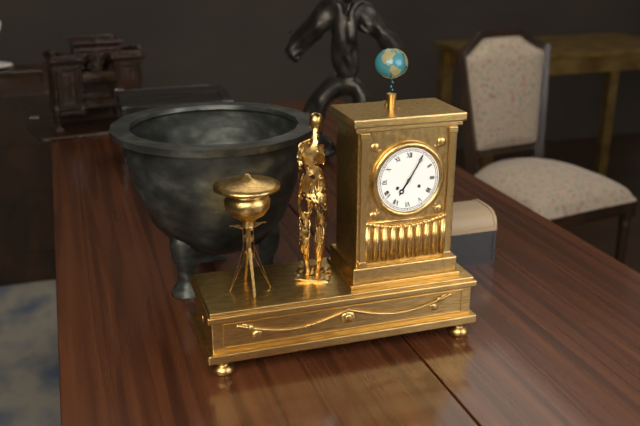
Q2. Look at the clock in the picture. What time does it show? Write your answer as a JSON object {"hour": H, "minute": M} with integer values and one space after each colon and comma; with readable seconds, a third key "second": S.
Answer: {"hour": 7, "minute": 5}
